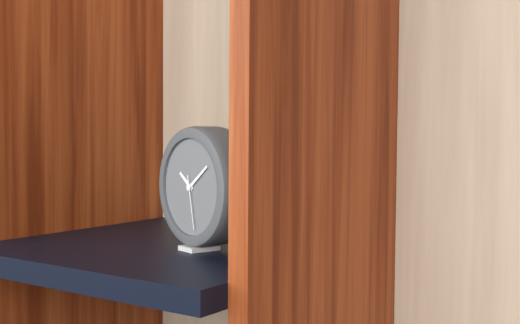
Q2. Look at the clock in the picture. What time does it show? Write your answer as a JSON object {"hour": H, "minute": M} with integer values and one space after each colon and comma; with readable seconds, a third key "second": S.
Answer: {"hour": 10, "minute": 9, "second": 28}
